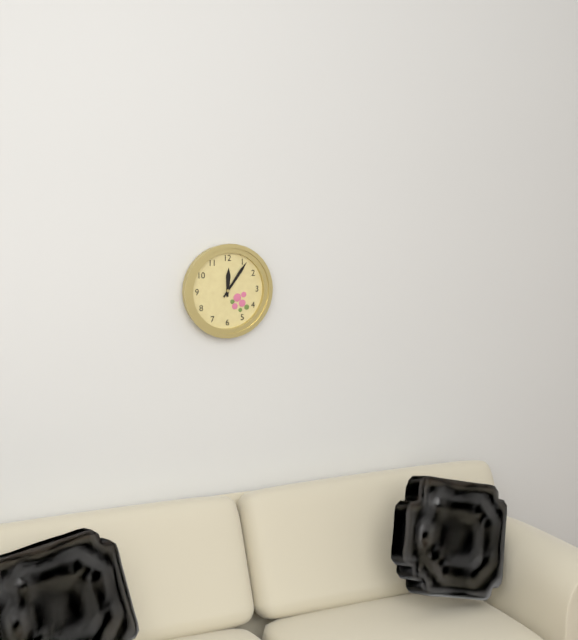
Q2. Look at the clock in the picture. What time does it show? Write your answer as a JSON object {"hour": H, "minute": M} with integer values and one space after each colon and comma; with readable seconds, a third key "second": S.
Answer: {"hour": 12, "minute": 6}
